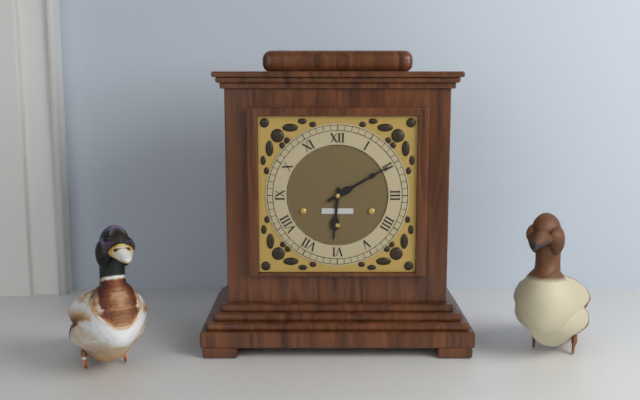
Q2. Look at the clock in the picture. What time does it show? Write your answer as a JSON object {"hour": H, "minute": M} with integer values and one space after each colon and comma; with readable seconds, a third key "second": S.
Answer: {"hour": 6, "minute": 10}
